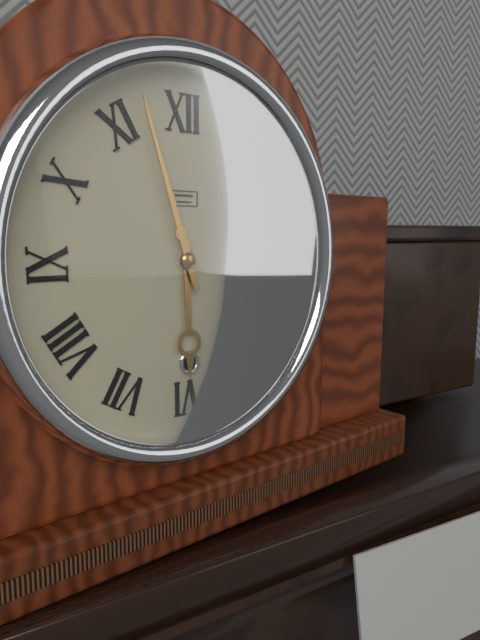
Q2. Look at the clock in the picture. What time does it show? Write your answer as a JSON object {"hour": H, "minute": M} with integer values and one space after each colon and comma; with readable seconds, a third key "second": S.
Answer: {"hour": 5, "minute": 57}
